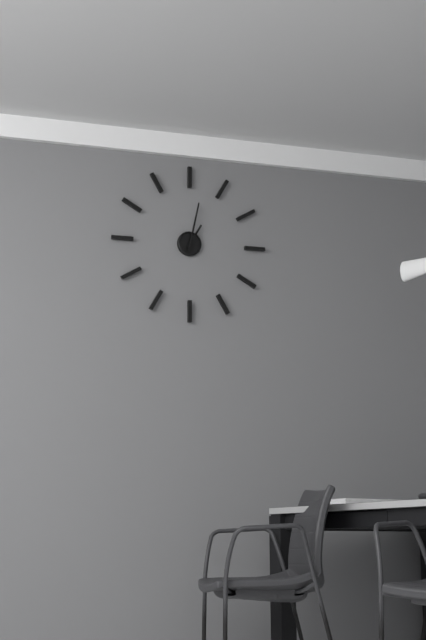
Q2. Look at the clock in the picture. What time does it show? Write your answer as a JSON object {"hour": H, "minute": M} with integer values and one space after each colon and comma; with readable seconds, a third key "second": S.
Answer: {"hour": 1, "minute": 2}
